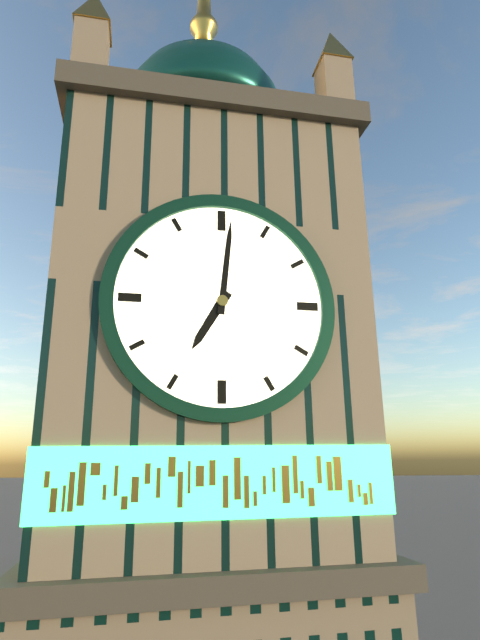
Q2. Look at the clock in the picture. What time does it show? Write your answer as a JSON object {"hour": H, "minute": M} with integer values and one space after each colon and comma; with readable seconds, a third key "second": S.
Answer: {"hour": 7, "minute": 1}
